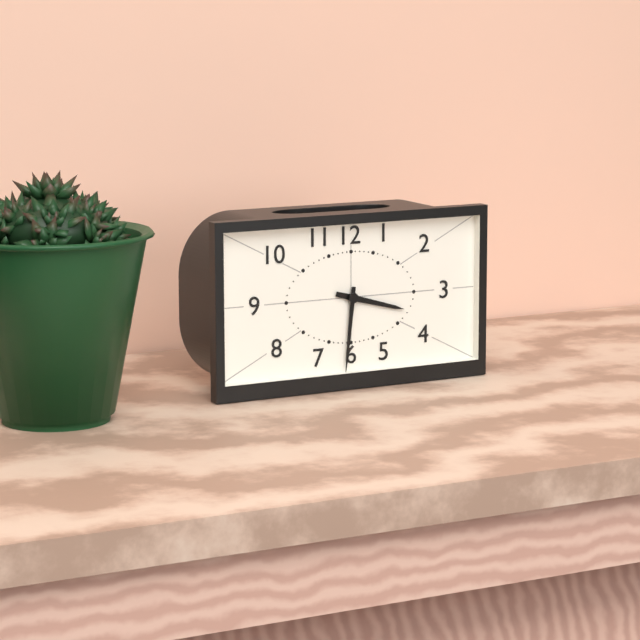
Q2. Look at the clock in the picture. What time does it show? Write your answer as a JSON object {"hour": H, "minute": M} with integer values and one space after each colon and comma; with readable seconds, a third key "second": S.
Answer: {"hour": 3, "minute": 31}
